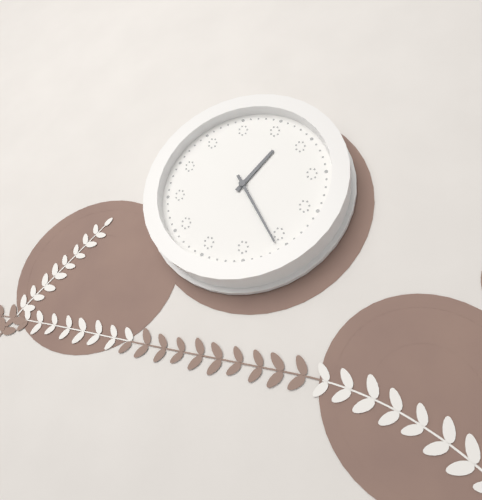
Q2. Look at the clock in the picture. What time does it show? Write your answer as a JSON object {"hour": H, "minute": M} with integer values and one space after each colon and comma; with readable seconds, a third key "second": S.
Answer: {"hour": 1, "minute": 26}
